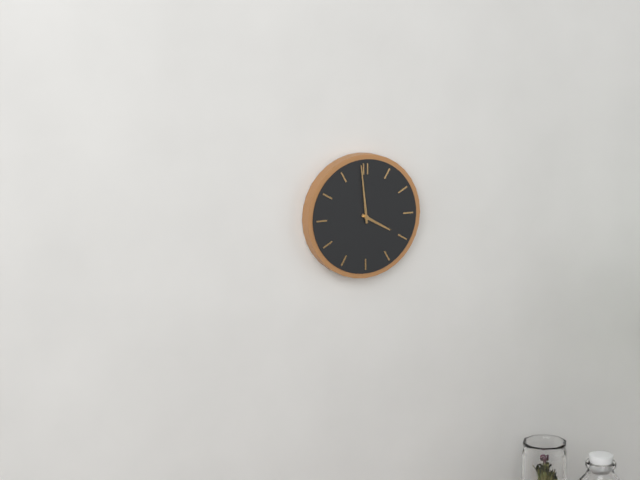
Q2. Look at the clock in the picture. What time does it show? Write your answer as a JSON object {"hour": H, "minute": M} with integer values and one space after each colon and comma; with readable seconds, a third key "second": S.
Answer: {"hour": 3, "minute": 59}
